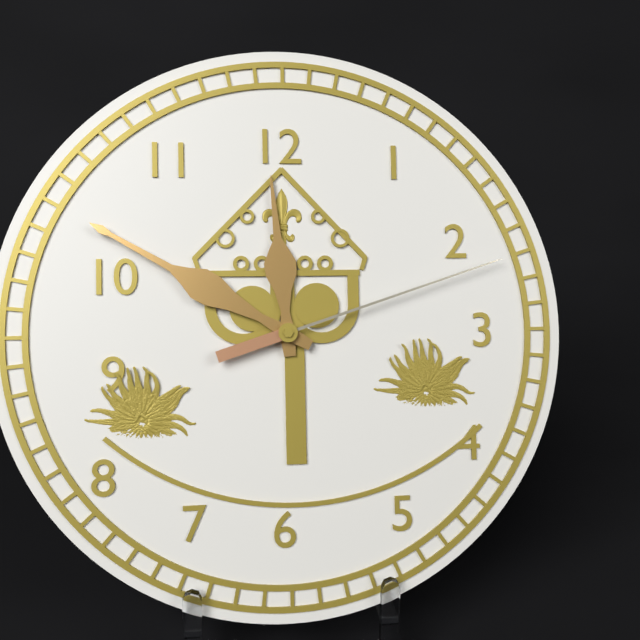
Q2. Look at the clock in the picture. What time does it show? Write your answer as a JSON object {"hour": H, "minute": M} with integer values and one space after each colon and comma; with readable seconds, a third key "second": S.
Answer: {"hour": 11, "minute": 50, "second": 12}
